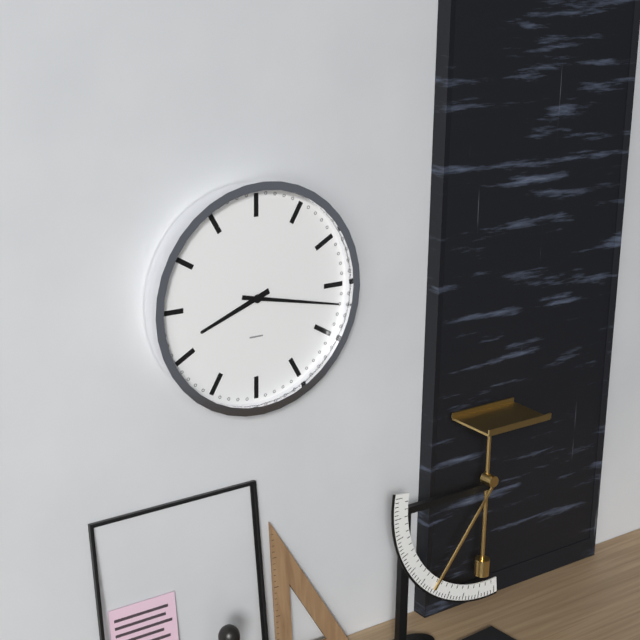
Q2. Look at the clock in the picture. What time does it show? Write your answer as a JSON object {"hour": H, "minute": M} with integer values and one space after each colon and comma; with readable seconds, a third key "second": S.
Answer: {"hour": 8, "minute": 17}
